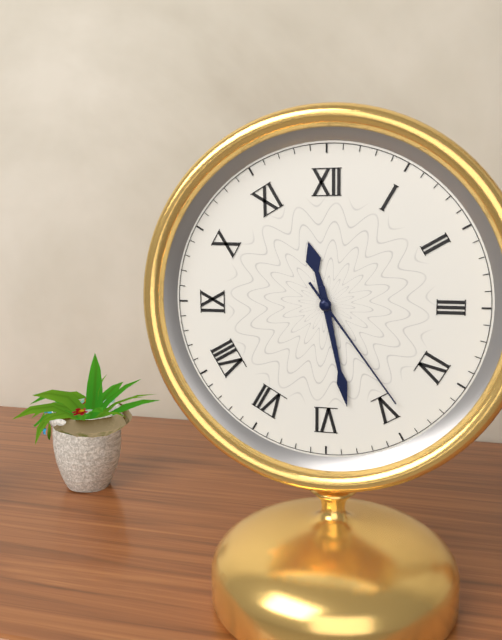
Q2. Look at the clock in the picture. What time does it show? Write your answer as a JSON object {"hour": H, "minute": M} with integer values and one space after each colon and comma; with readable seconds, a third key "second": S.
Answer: {"hour": 11, "minute": 28, "second": 24}
